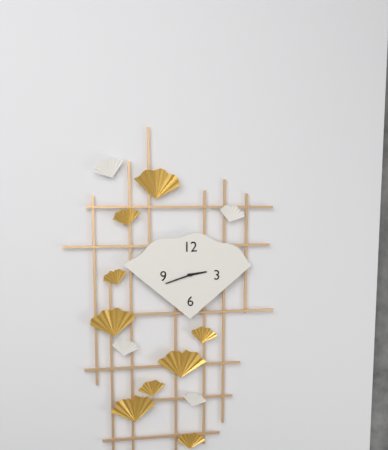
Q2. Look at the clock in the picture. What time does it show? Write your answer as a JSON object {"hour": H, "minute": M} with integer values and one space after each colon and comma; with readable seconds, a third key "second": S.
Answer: {"hour": 2, "minute": 42}
